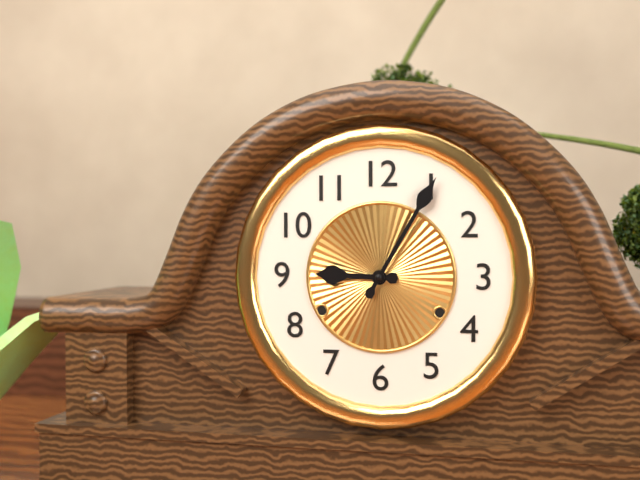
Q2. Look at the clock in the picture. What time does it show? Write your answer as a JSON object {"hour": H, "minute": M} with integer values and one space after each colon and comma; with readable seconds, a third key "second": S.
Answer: {"hour": 9, "minute": 5}
